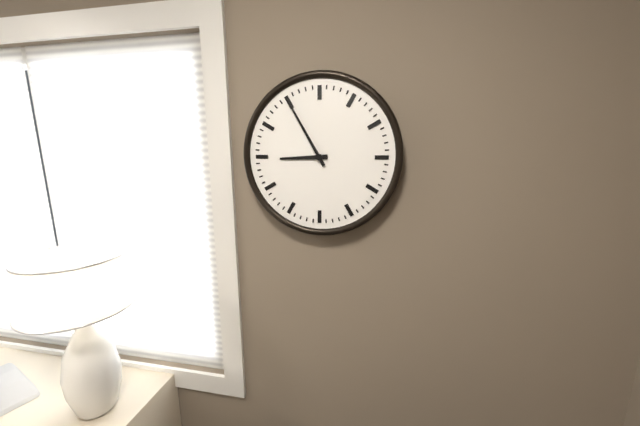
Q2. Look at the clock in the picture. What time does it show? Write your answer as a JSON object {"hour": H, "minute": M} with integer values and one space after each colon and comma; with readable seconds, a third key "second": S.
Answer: {"hour": 8, "minute": 55}
